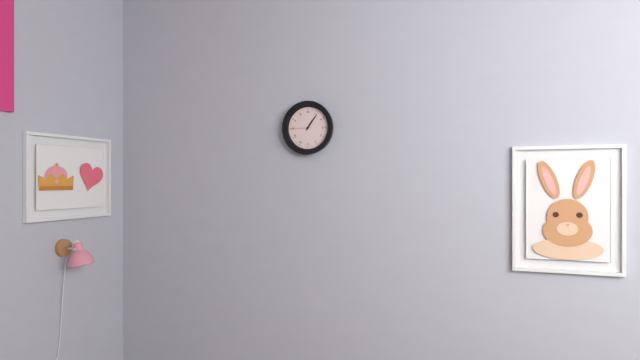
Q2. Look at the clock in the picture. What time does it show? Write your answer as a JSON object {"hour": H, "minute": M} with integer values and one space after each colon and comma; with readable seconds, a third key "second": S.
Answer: {"hour": 1, "minute": 6}
